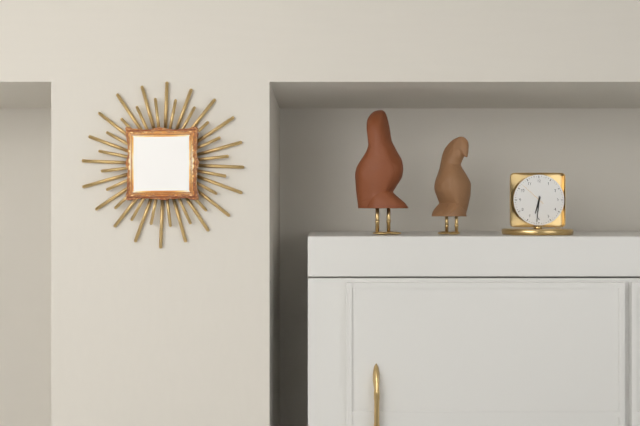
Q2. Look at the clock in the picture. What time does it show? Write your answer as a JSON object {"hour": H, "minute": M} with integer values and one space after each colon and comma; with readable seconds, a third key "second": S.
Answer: {"hour": 6, "minute": 31}
